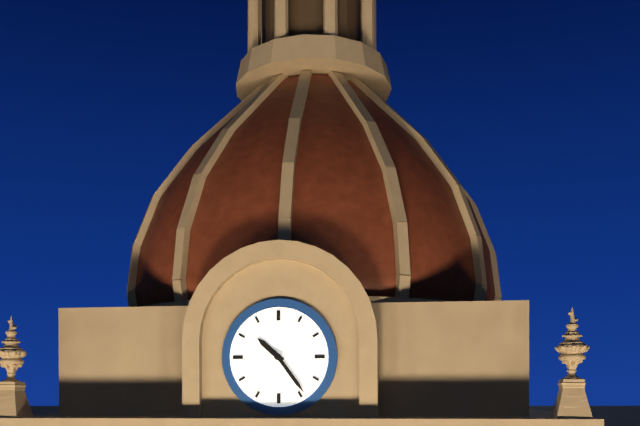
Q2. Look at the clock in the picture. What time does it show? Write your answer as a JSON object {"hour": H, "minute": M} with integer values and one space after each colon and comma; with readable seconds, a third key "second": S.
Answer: {"hour": 10, "minute": 24}
